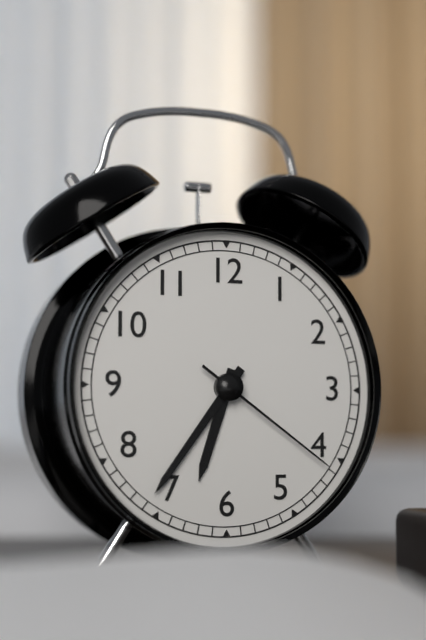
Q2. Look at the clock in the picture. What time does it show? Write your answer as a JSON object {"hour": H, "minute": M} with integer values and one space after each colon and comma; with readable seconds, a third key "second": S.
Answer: {"hour": 6, "minute": 36, "second": 21}
